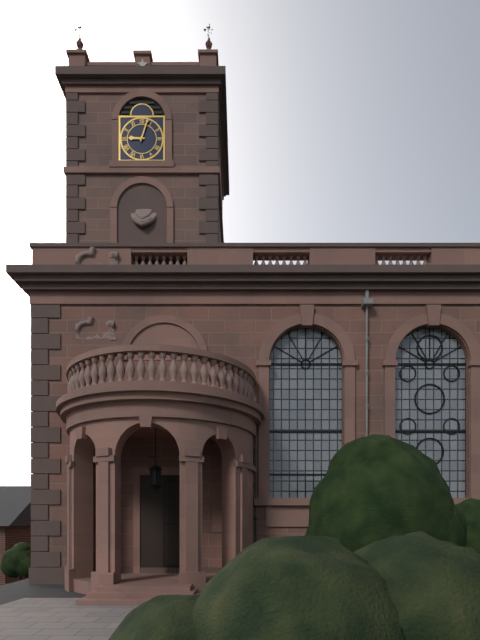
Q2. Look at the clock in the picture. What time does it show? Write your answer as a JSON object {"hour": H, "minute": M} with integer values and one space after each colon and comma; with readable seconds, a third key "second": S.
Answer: {"hour": 9, "minute": 3}
